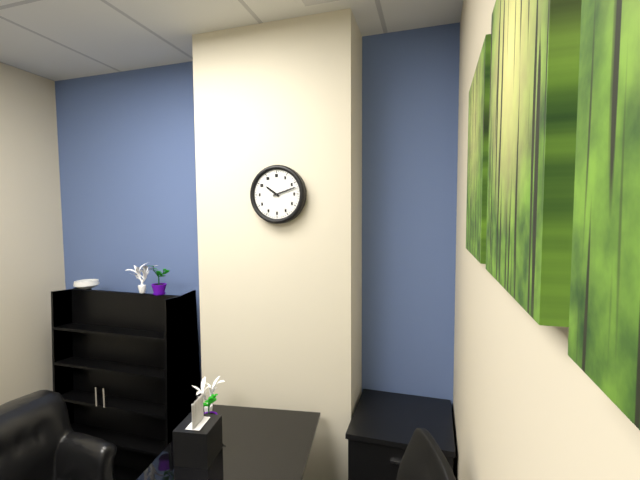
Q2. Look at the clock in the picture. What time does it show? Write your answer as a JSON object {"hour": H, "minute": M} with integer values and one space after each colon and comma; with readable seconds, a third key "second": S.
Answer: {"hour": 10, "minute": 12}
